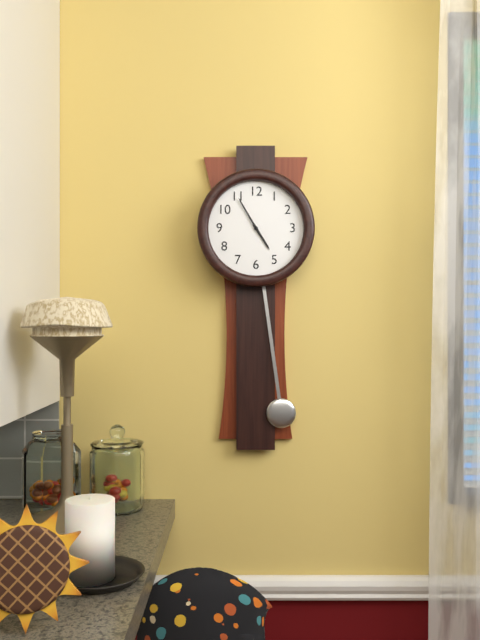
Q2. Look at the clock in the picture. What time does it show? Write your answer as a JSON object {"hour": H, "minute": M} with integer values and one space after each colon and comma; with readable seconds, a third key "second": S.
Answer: {"hour": 4, "minute": 55}
